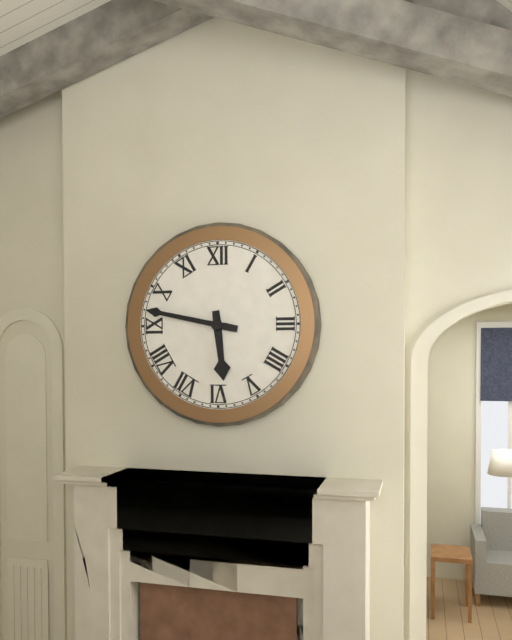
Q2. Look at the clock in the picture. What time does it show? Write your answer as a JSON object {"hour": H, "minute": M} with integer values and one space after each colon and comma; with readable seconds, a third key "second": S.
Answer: {"hour": 5, "minute": 47}
